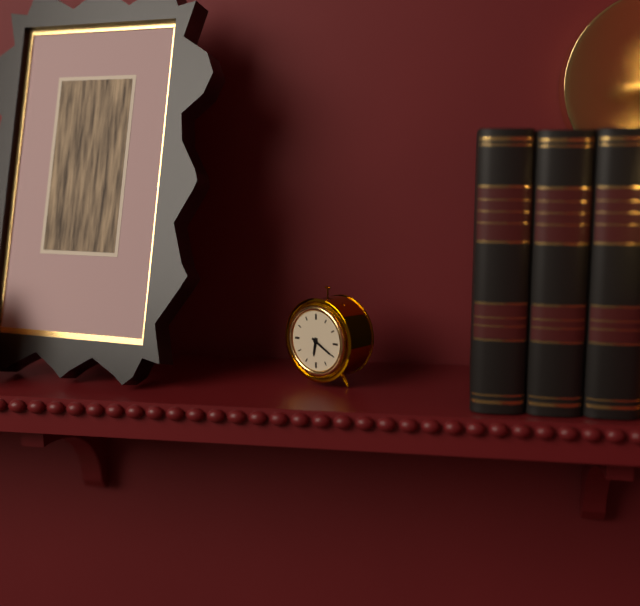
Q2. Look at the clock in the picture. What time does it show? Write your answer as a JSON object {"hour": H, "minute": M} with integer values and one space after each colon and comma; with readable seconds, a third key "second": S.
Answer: {"hour": 6, "minute": 20}
